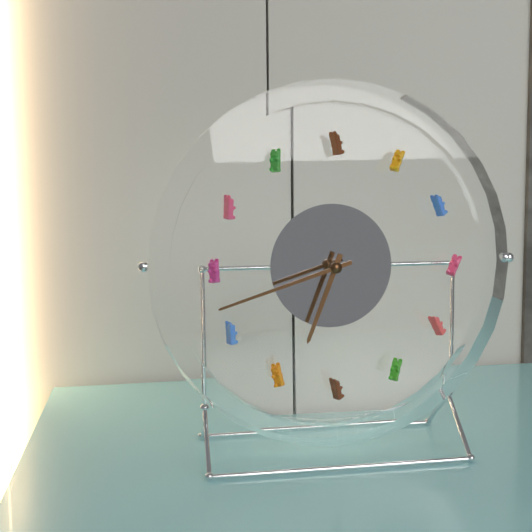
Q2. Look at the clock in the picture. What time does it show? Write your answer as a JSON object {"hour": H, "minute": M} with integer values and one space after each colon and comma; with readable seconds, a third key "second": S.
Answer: {"hour": 6, "minute": 42}
